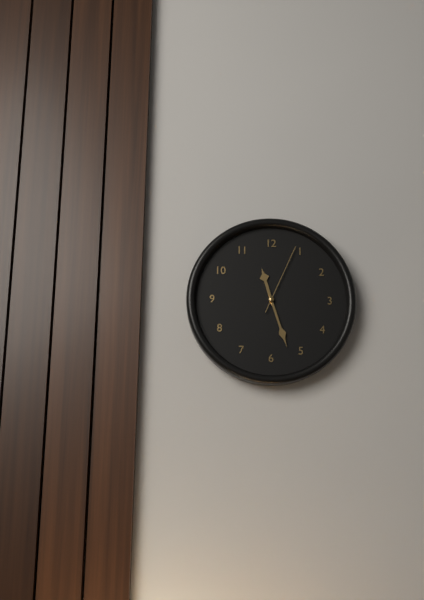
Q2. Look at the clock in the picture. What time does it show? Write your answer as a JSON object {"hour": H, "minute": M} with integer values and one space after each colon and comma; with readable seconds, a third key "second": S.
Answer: {"hour": 11, "minute": 27, "second": 4}
